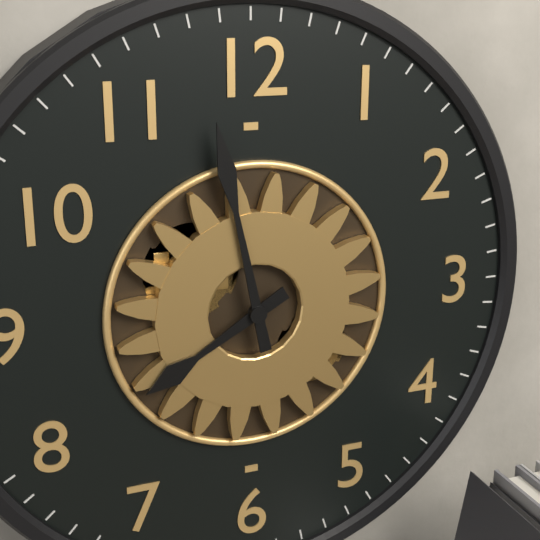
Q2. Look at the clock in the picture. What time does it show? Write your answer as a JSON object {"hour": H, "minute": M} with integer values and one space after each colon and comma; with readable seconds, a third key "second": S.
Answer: {"hour": 7, "minute": 58}
